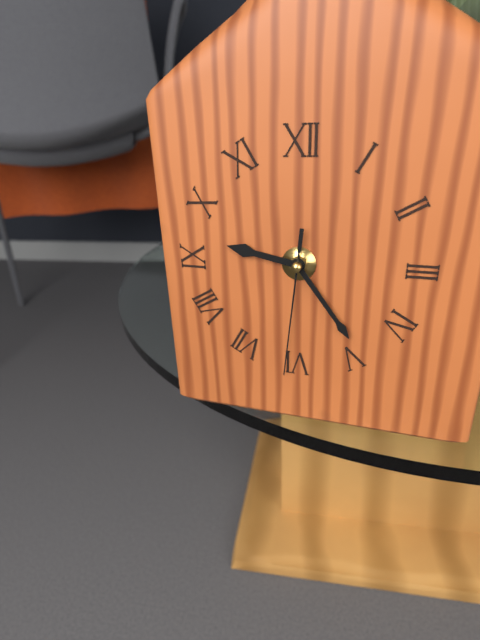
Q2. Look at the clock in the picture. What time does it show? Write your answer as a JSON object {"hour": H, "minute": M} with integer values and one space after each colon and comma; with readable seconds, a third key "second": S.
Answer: {"hour": 9, "minute": 24, "second": 31}
